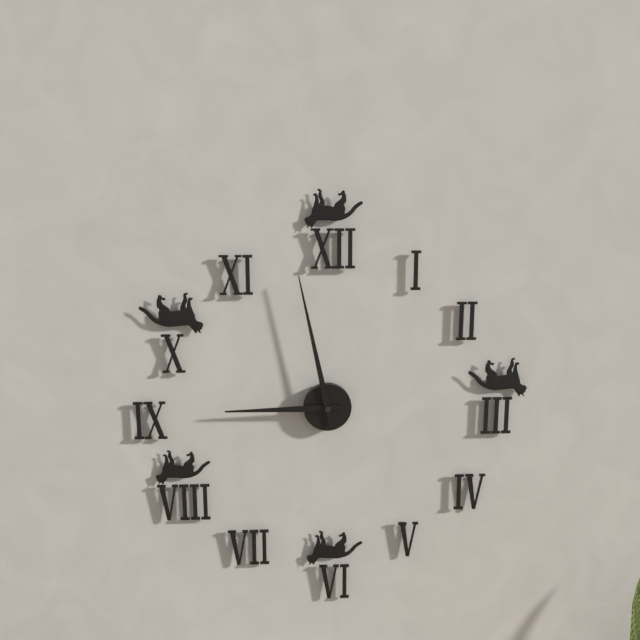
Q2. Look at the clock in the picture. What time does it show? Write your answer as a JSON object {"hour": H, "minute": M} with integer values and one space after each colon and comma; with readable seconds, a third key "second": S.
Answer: {"hour": 8, "minute": 58}
